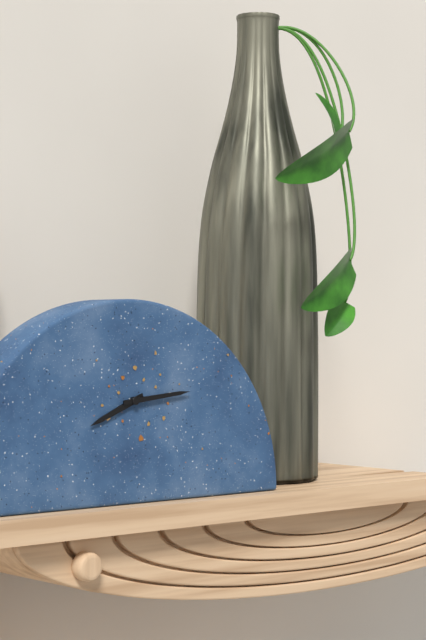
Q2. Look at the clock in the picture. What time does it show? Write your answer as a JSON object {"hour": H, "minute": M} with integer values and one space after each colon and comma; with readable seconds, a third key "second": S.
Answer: {"hour": 8, "minute": 14}
